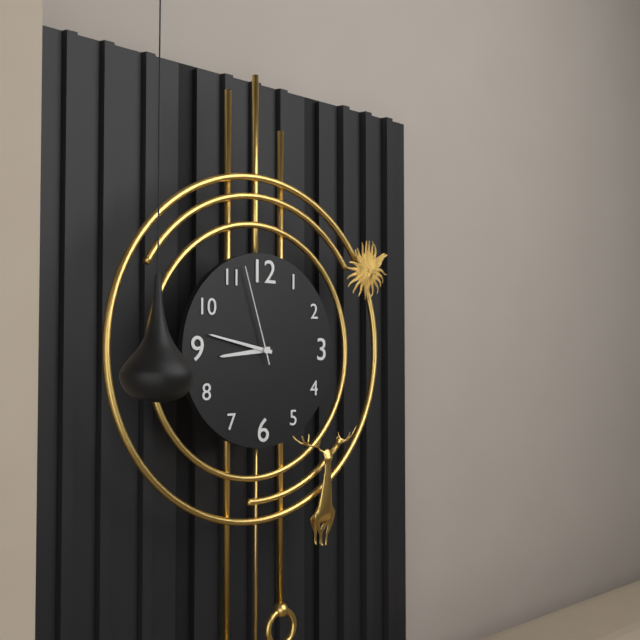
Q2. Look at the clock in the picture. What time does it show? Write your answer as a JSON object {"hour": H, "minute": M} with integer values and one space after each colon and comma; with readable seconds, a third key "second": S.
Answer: {"hour": 8, "minute": 47, "second": 57}
